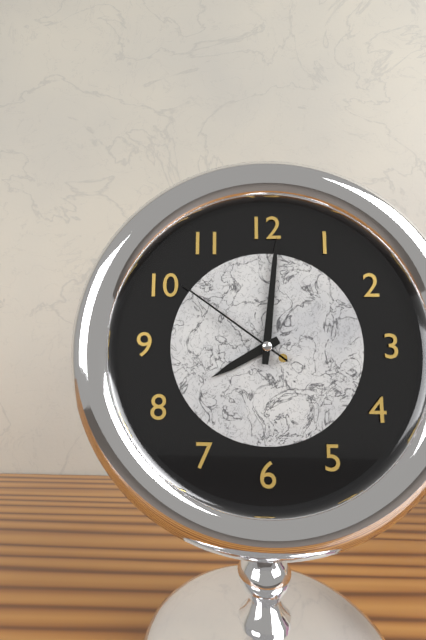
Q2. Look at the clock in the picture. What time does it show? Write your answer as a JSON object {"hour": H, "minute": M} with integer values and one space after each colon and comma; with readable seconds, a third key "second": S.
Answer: {"hour": 8, "minute": 1, "second": 51}
